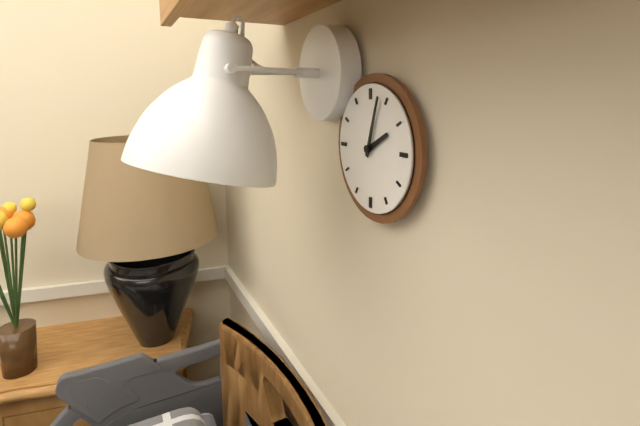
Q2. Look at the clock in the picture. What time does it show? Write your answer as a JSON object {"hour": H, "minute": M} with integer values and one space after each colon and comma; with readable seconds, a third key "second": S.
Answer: {"hour": 2, "minute": 3}
